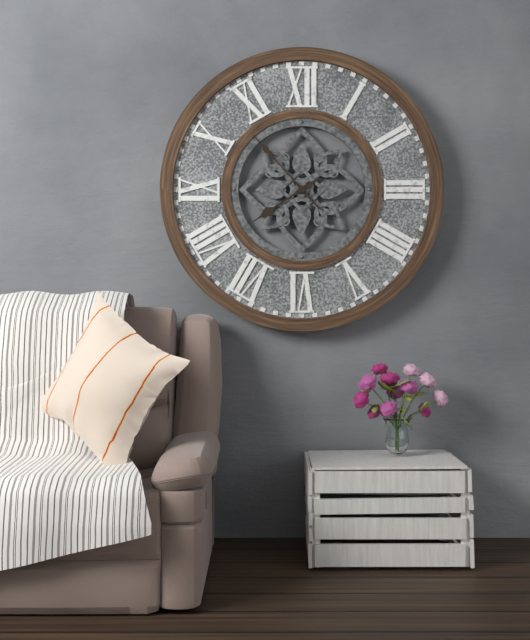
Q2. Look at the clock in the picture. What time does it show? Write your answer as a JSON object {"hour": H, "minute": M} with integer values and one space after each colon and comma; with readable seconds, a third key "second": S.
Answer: {"hour": 7, "minute": 53}
